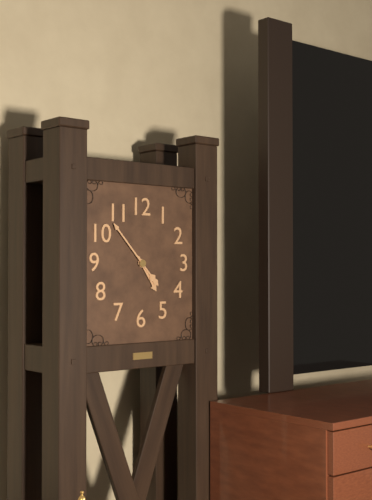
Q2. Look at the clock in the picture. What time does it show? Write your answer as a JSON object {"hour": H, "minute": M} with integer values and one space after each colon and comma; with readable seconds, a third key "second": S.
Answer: {"hour": 4, "minute": 53}
